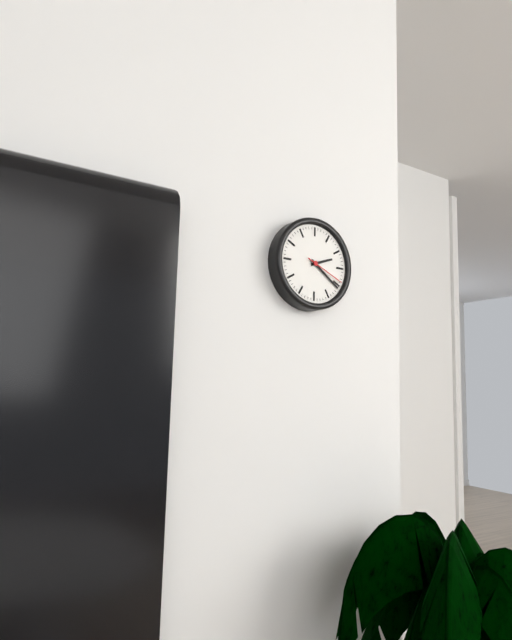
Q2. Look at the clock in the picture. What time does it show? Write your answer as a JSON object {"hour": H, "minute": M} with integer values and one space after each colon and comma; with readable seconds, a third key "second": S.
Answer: {"hour": 2, "minute": 21}
